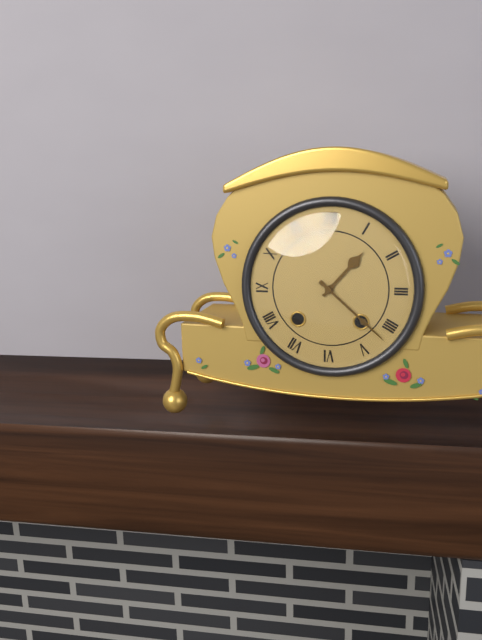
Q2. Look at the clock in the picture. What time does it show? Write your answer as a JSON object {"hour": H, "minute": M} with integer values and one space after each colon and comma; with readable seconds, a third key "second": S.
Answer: {"hour": 1, "minute": 22}
